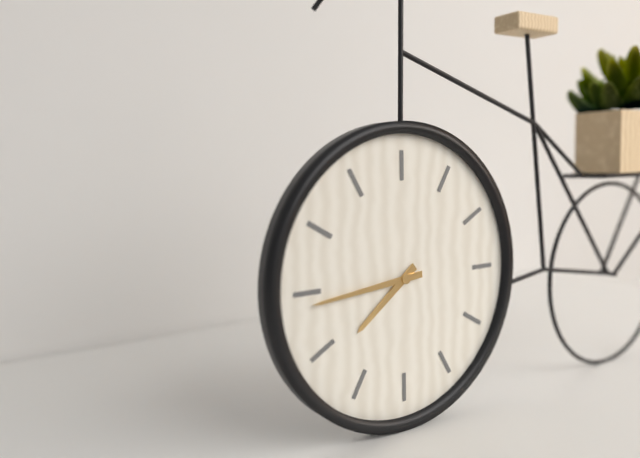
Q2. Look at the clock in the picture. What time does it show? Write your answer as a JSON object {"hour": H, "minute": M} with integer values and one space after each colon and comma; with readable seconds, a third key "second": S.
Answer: {"hour": 7, "minute": 44}
